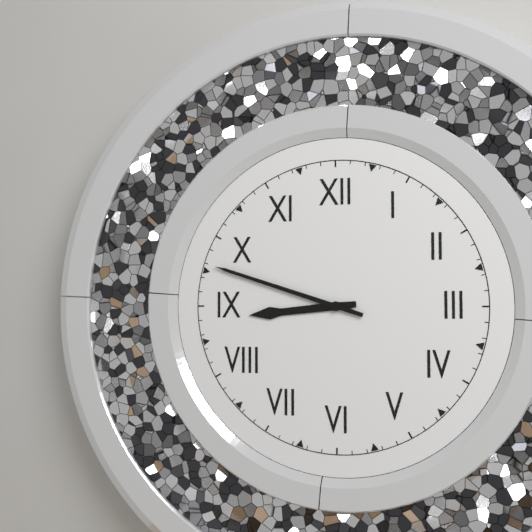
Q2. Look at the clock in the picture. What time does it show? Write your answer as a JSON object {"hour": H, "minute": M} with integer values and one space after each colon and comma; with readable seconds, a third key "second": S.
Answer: {"hour": 8, "minute": 48}
